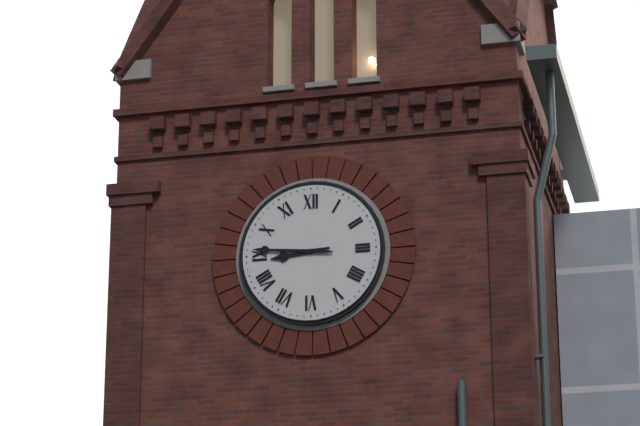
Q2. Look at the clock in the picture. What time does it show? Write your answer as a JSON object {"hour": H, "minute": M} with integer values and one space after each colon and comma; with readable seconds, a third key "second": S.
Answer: {"hour": 8, "minute": 46}
